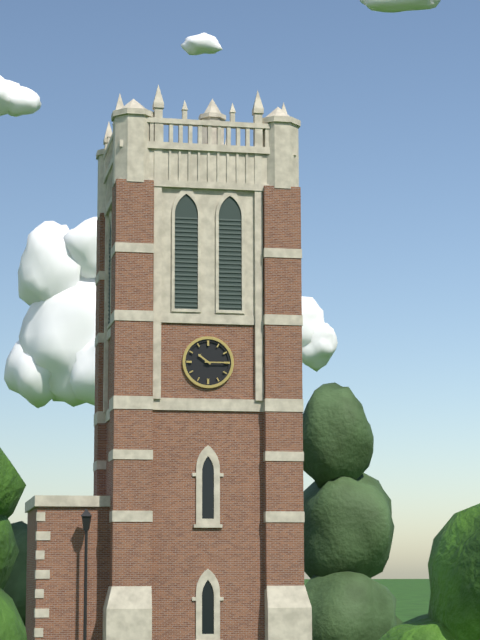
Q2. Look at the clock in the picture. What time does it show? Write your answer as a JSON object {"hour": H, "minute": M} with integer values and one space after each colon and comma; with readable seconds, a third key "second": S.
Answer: {"hour": 10, "minute": 15}
